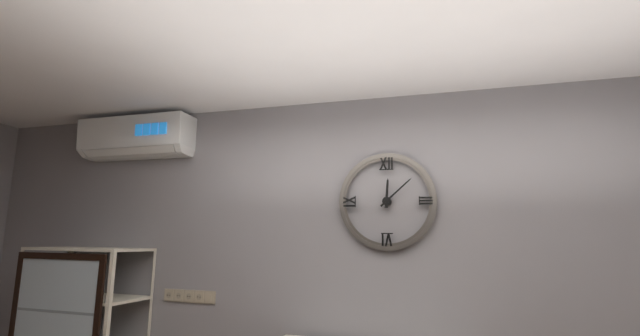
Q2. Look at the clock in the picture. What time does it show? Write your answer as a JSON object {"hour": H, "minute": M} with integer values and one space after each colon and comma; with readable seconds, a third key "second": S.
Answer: {"hour": 12, "minute": 8}
